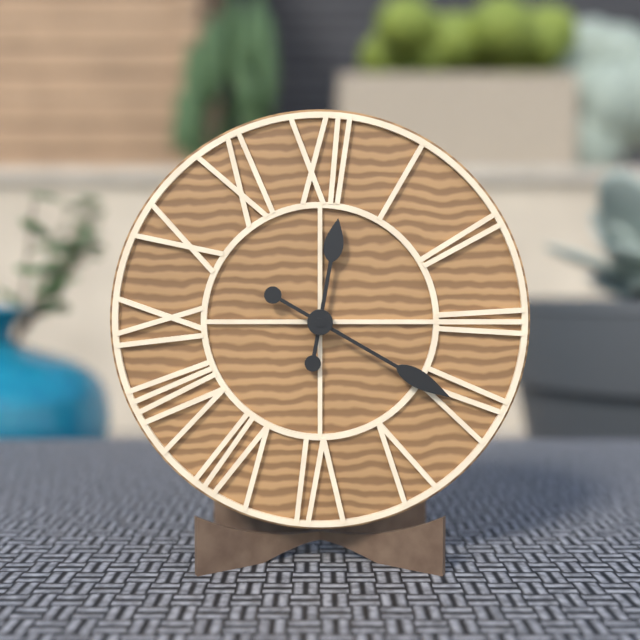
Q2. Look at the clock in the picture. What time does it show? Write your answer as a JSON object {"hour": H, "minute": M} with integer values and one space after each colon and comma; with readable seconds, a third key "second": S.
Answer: {"hour": 12, "minute": 20}
